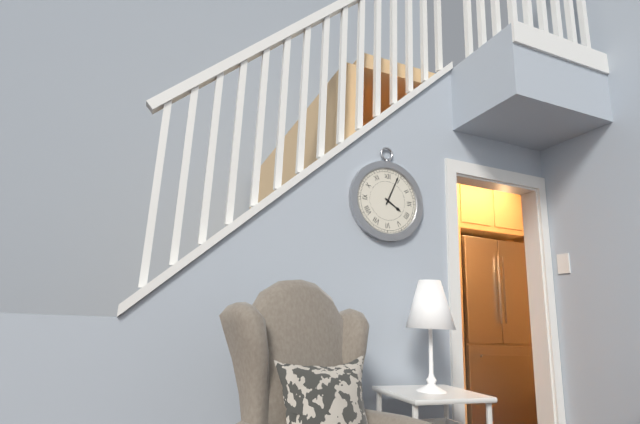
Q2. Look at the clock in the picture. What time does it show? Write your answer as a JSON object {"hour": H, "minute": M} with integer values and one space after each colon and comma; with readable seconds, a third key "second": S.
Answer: {"hour": 4, "minute": 4}
